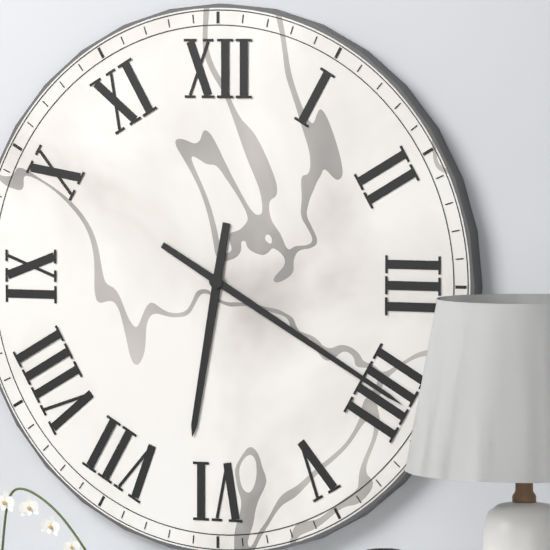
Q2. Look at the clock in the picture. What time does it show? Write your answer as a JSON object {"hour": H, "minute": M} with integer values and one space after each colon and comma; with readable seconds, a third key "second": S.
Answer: {"hour": 6, "minute": 20}
